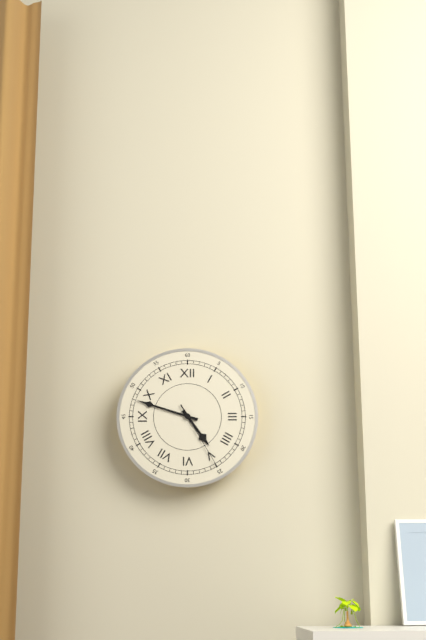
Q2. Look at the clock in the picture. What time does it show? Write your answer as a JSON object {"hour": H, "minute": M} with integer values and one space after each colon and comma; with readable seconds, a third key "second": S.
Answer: {"hour": 4, "minute": 48, "second": 25}
